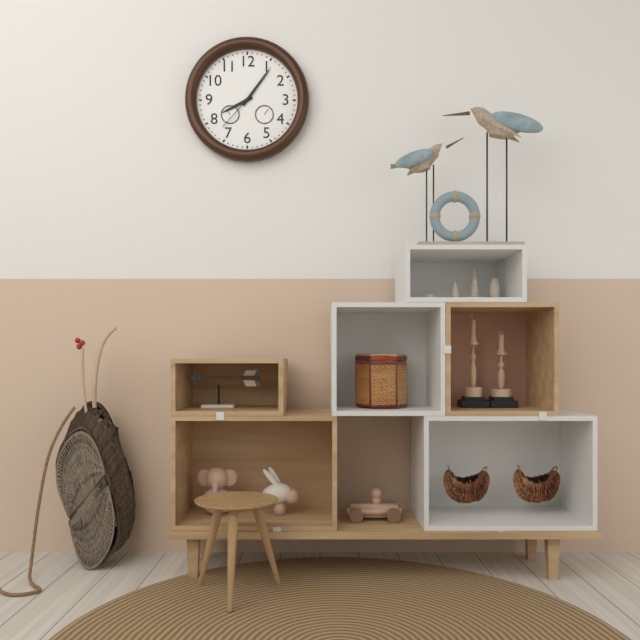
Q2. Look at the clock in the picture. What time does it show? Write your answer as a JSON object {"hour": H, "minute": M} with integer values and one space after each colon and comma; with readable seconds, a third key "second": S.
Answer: {"hour": 8, "minute": 6}
